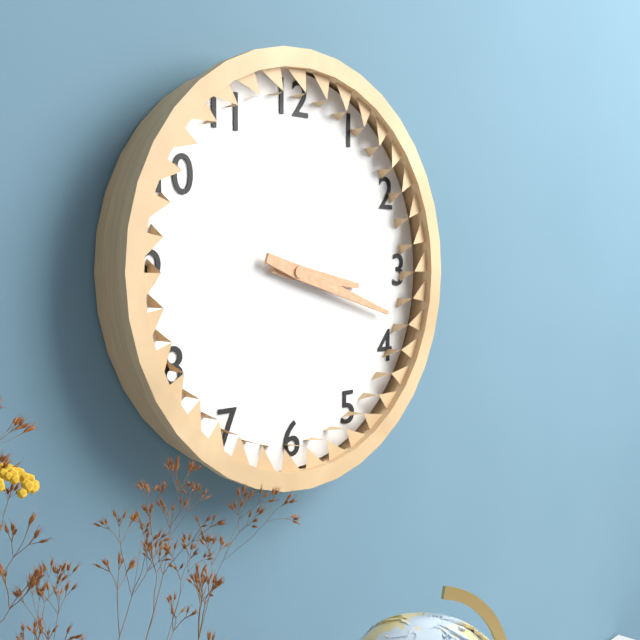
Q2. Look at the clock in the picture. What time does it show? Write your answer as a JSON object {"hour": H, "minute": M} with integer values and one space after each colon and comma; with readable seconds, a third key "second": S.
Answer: {"hour": 3, "minute": 18}
